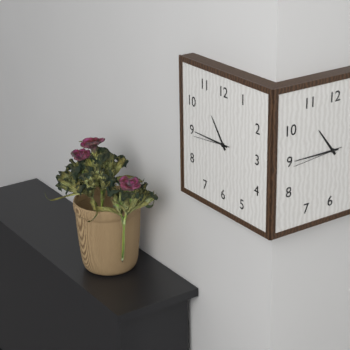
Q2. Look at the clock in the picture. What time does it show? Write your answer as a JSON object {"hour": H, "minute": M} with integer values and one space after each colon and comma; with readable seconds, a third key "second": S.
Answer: {"hour": 10, "minute": 45}
